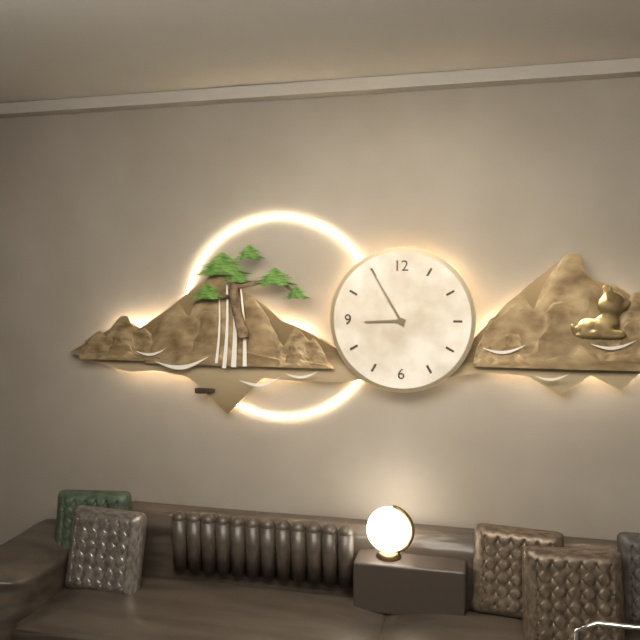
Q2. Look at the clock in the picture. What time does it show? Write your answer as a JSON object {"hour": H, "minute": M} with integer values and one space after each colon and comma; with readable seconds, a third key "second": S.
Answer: {"hour": 8, "minute": 55}
